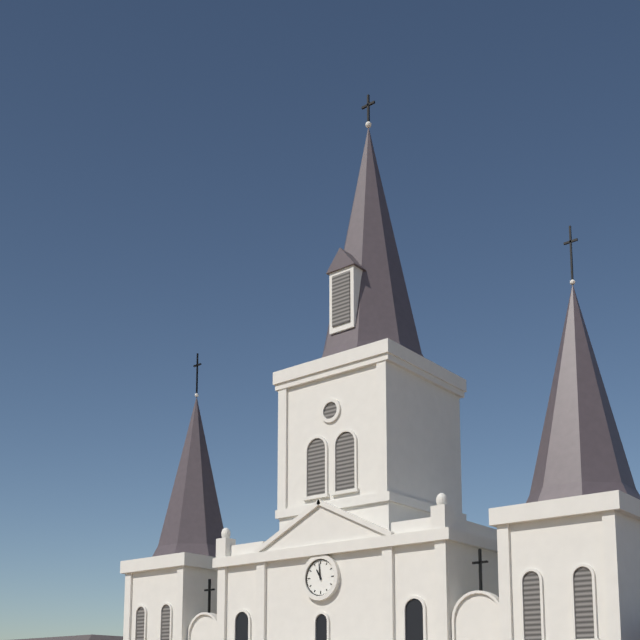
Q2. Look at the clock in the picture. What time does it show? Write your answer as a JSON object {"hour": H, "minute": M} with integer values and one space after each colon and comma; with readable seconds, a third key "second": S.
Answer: {"hour": 10, "minute": 59}
